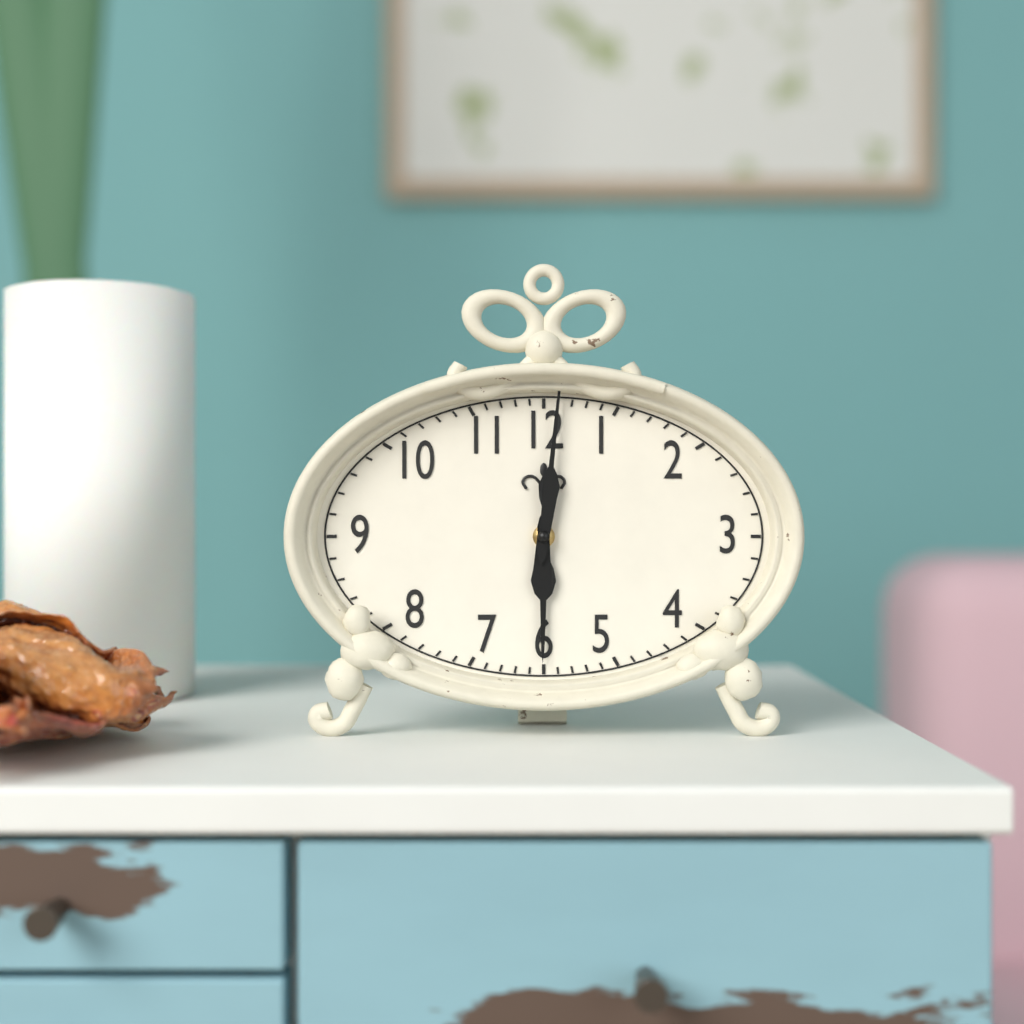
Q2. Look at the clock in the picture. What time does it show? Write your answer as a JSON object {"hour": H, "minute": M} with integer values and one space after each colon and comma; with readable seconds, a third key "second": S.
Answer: {"hour": 6, "minute": 1}
